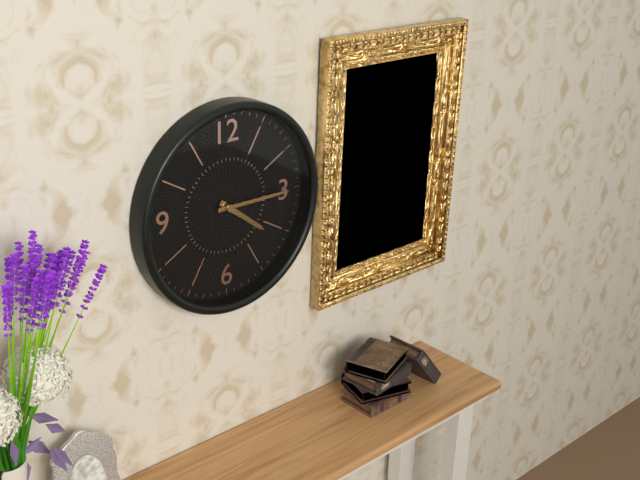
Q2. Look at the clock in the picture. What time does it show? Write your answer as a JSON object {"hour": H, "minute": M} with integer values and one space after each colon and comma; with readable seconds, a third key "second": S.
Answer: {"hour": 4, "minute": 15}
